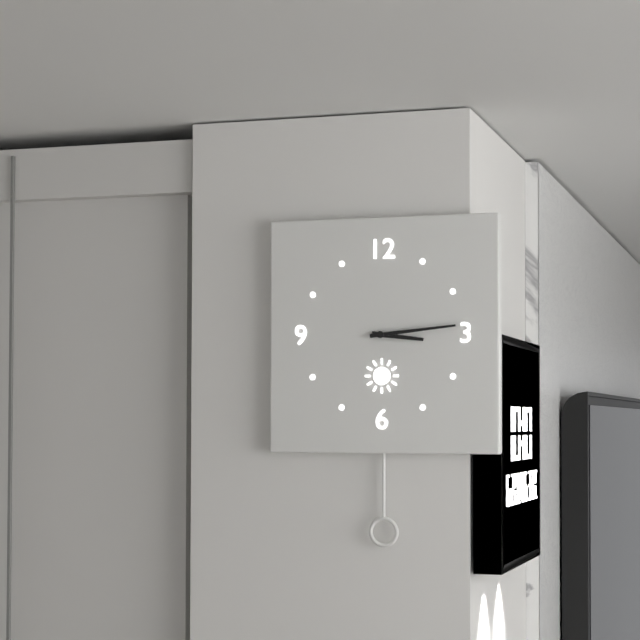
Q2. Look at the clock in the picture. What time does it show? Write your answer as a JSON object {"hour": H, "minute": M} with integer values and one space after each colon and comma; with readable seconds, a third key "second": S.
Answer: {"hour": 3, "minute": 14}
